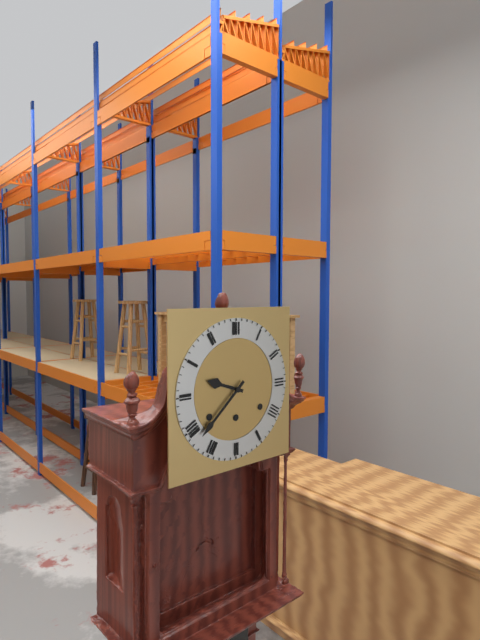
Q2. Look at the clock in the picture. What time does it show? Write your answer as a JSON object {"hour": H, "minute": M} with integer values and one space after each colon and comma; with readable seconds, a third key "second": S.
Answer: {"hour": 9, "minute": 38}
